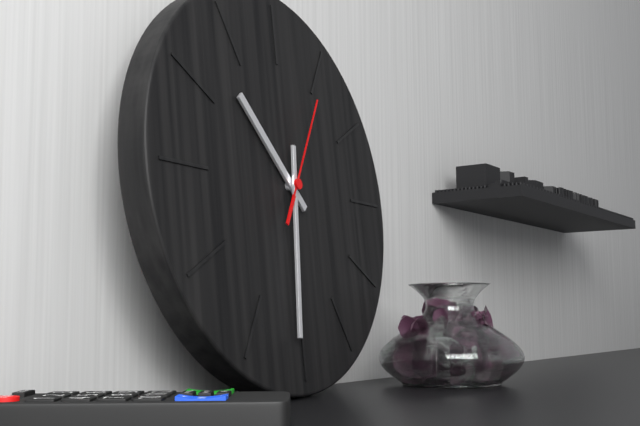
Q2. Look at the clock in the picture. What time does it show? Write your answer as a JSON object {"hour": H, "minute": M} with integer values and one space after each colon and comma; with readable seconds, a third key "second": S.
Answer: {"hour": 10, "minute": 31, "second": 5}
